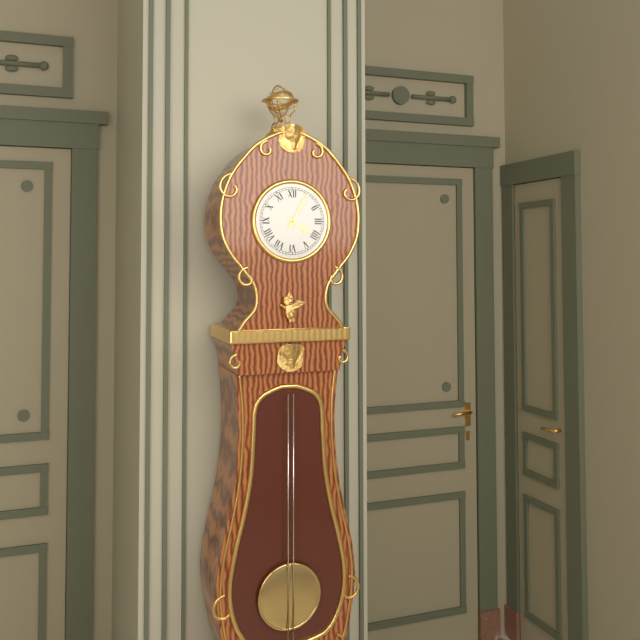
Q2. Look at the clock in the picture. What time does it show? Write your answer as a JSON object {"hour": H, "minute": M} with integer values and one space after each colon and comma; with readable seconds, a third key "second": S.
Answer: {"hour": 4, "minute": 5}
